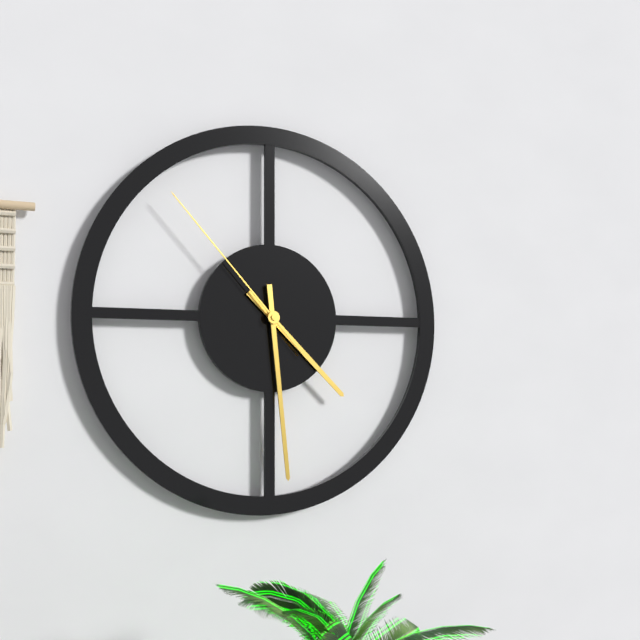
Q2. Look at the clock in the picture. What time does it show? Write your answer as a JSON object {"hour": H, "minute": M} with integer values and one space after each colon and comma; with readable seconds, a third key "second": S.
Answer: {"hour": 4, "minute": 29, "second": 53}
